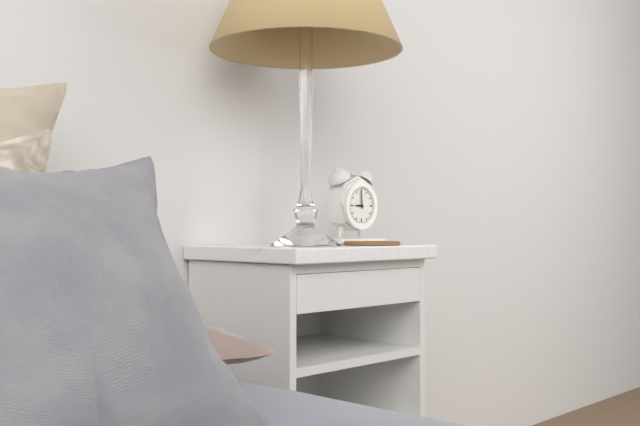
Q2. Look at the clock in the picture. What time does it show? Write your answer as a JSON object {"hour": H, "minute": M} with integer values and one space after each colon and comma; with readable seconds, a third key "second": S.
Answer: {"hour": 8, "minute": 59}
